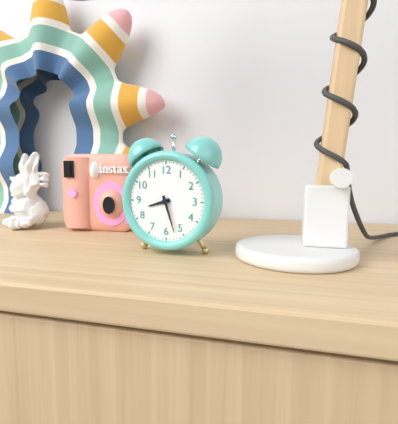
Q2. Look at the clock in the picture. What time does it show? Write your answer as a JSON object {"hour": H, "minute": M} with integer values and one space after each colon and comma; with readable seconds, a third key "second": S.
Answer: {"hour": 8, "minute": 27}
